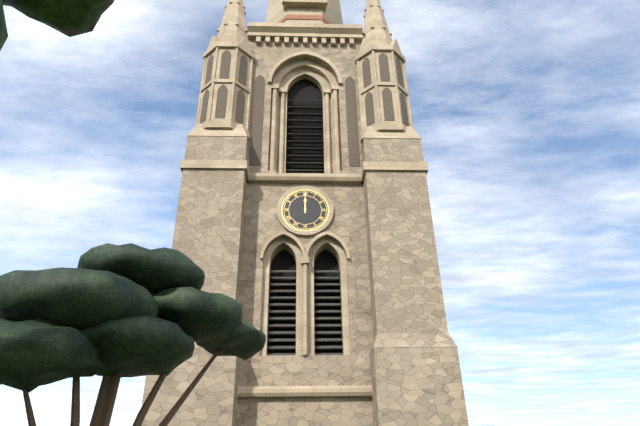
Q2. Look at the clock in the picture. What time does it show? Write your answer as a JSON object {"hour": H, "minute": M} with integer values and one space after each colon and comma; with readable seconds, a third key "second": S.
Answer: {"hour": 12, "minute": 0}
